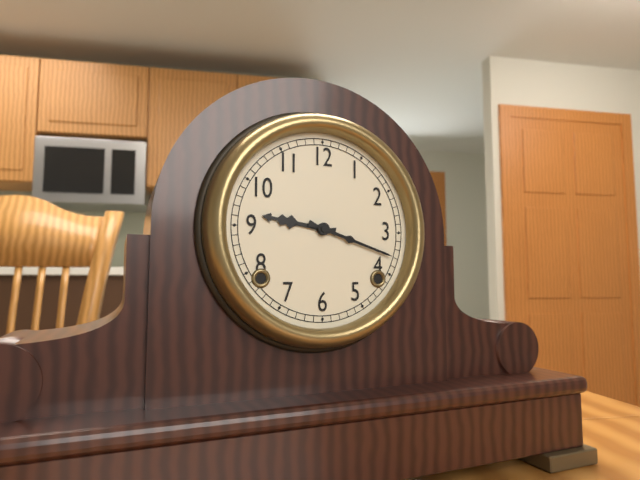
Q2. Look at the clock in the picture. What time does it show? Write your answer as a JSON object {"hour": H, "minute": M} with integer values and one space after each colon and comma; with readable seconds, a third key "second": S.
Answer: {"hour": 9, "minute": 18}
